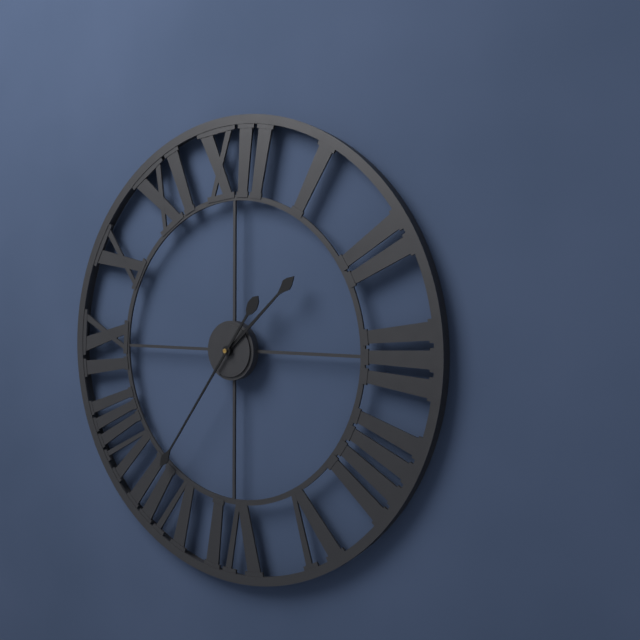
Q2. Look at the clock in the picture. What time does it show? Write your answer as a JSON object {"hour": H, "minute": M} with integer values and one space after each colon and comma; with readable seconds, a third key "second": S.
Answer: {"hour": 1, "minute": 36}
